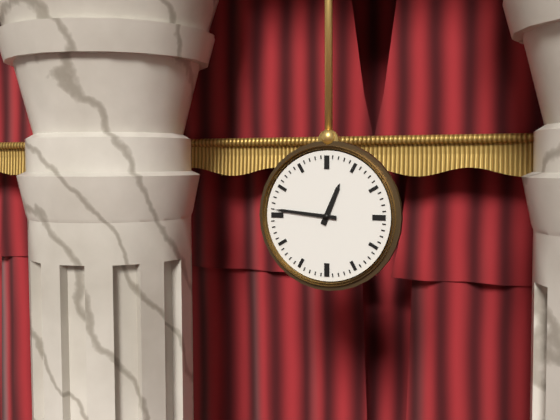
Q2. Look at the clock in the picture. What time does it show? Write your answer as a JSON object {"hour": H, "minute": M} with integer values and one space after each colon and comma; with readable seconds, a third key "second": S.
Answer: {"hour": 12, "minute": 46}
